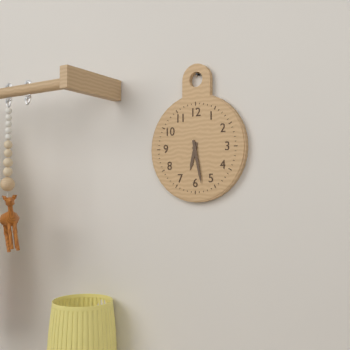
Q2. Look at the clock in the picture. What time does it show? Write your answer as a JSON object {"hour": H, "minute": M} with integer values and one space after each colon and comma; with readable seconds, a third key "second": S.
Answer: {"hour": 6, "minute": 28}
